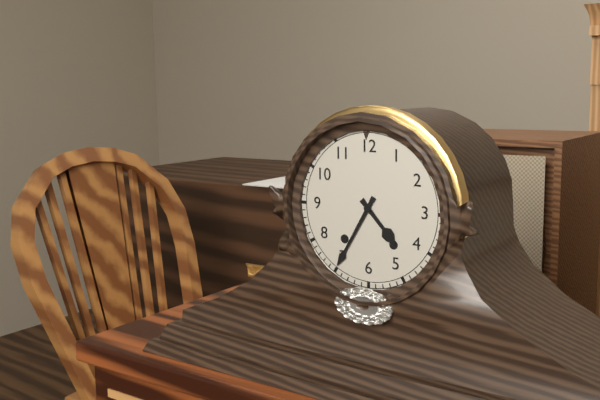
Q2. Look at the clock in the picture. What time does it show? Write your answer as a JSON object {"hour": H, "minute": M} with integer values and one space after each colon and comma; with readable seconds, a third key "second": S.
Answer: {"hour": 4, "minute": 35}
